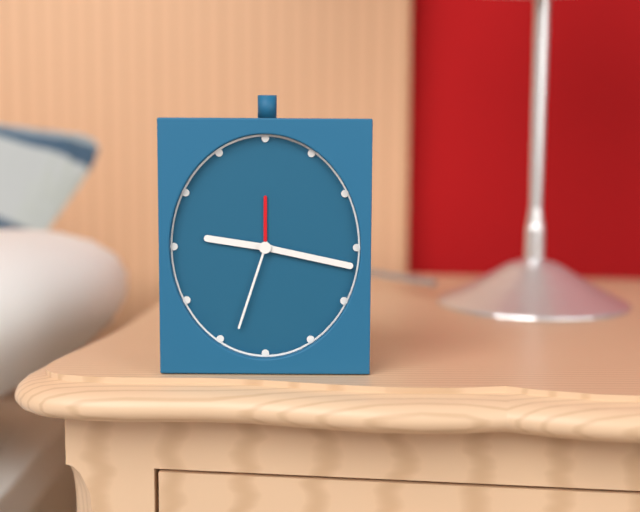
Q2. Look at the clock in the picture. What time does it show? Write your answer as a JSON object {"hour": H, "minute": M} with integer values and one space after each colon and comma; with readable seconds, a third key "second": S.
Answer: {"hour": 9, "minute": 17, "second": 33}
